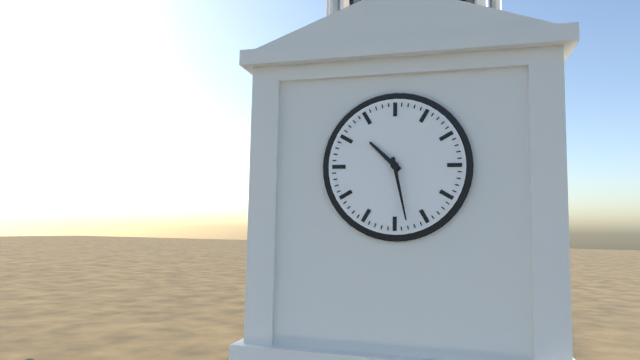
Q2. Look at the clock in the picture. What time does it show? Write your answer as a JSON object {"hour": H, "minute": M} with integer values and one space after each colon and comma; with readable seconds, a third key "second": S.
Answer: {"hour": 10, "minute": 28}
